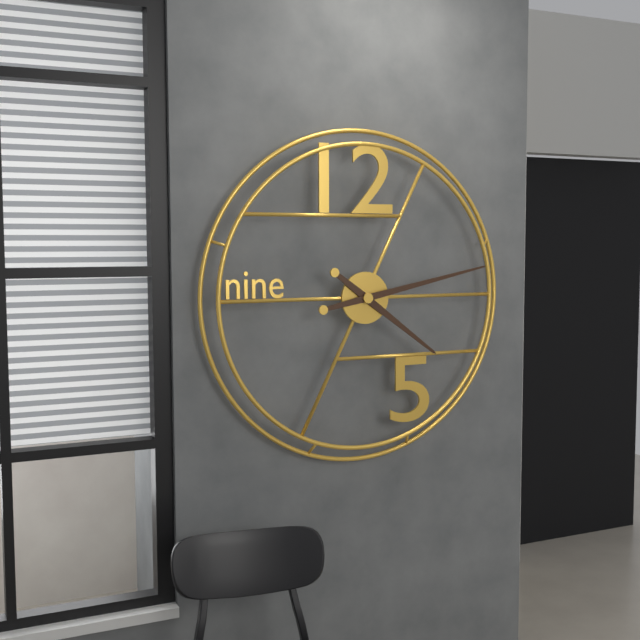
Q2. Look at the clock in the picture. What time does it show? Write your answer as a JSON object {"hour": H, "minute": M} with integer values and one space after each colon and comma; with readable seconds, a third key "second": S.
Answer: {"hour": 4, "minute": 13}
